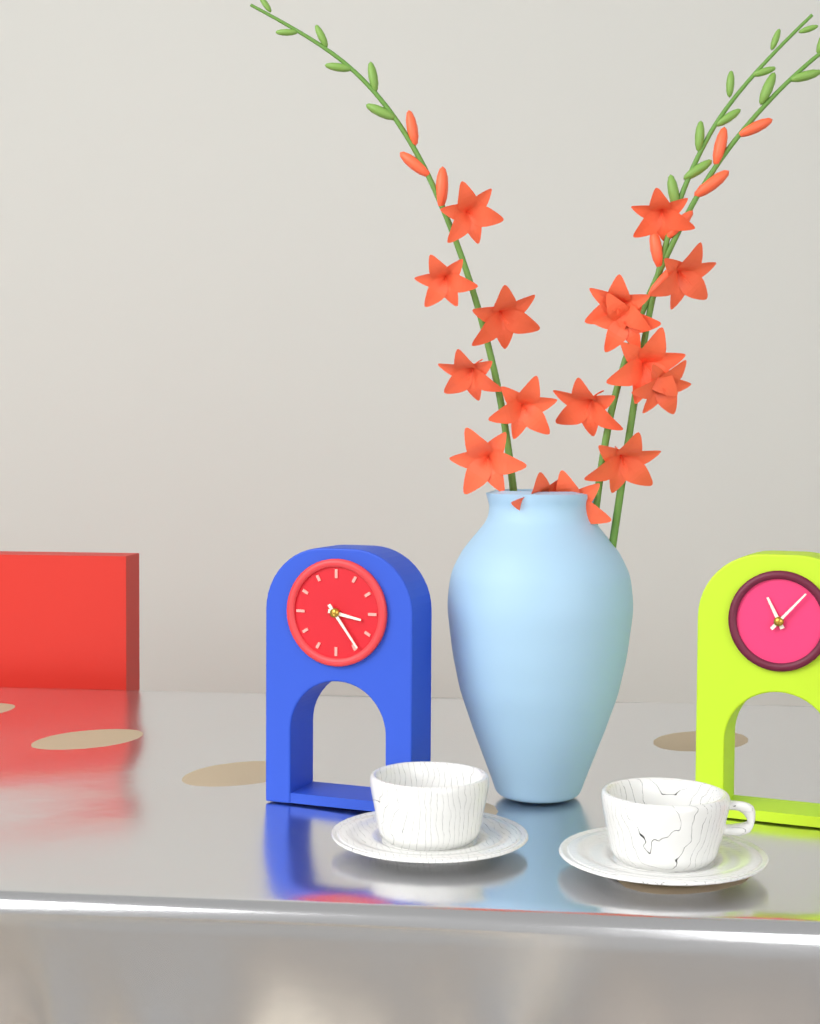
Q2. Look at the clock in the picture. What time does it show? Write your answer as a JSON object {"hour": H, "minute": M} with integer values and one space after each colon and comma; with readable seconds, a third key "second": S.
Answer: {"hour": 3, "minute": 24}
